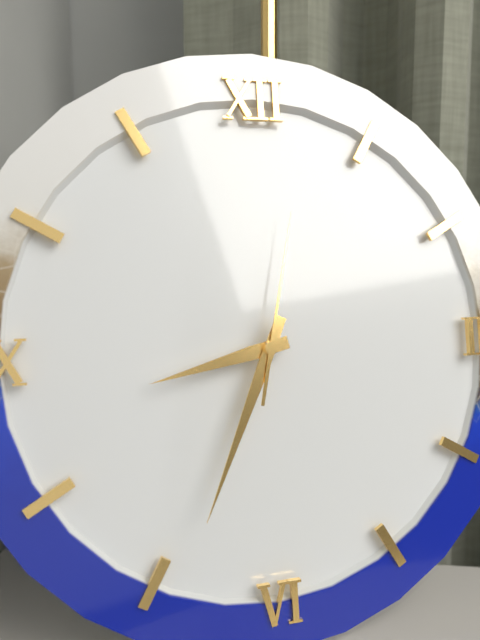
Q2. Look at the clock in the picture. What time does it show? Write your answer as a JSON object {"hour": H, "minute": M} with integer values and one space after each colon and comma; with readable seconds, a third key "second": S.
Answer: {"hour": 8, "minute": 34, "second": 2}
